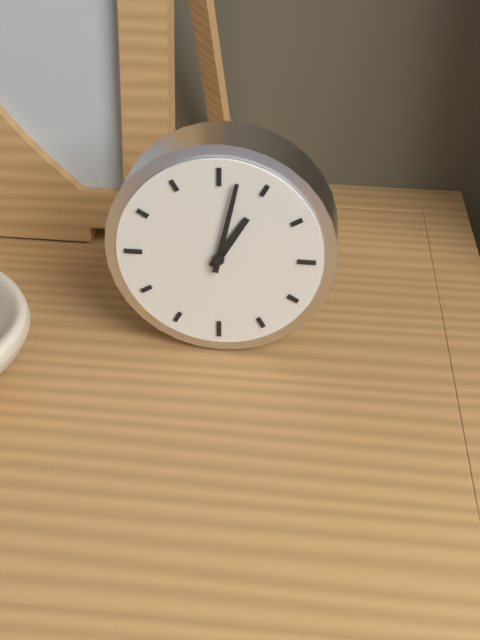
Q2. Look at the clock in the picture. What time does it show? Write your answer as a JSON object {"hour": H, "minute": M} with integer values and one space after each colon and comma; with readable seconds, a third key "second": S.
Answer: {"hour": 1, "minute": 2}
